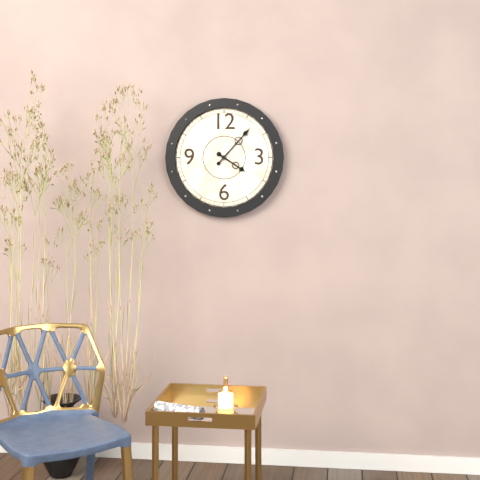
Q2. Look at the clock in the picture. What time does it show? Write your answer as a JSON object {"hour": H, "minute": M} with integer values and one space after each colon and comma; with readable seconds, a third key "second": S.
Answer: {"hour": 4, "minute": 7}
